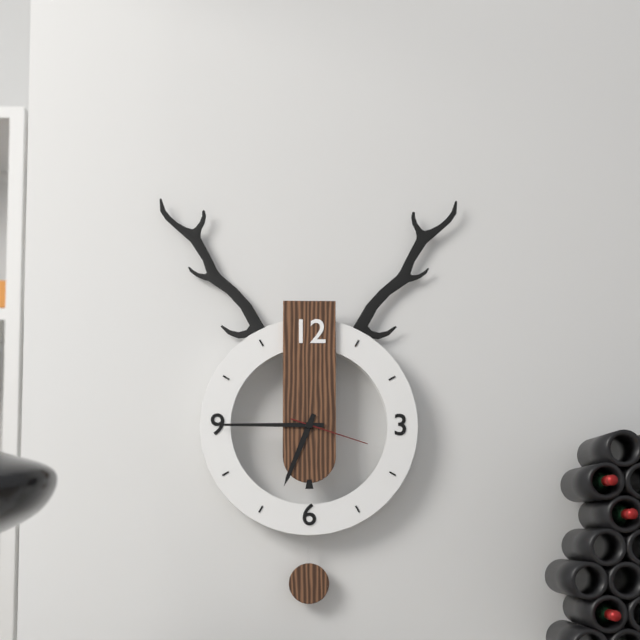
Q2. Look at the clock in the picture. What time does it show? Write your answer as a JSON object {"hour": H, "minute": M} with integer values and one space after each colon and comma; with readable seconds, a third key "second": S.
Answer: {"hour": 6, "minute": 45, "second": 18}
